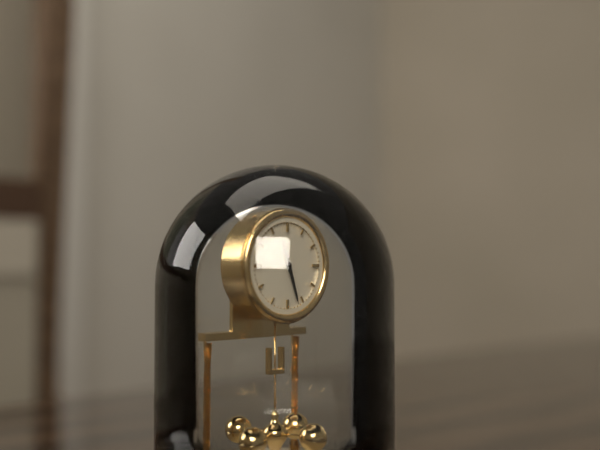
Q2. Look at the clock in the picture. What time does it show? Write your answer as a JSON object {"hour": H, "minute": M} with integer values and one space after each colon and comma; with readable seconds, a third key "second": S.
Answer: {"hour": 11, "minute": 27}
